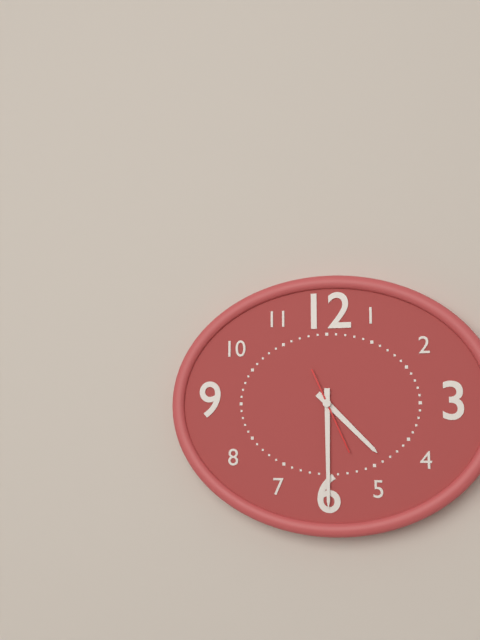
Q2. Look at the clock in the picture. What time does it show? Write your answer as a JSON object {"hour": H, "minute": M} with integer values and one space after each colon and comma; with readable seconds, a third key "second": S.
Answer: {"hour": 4, "minute": 30, "second": 26}
